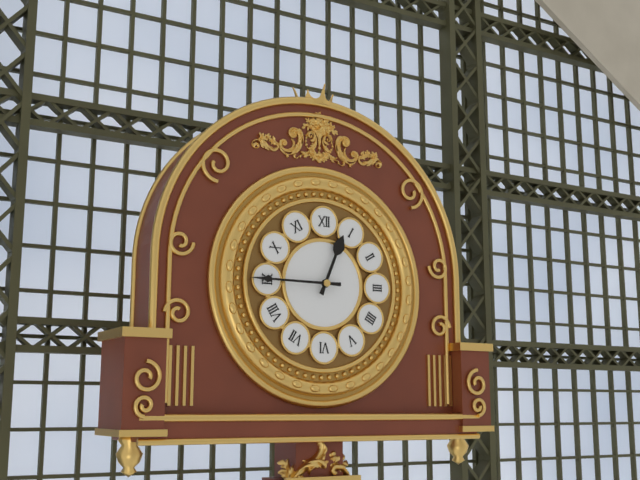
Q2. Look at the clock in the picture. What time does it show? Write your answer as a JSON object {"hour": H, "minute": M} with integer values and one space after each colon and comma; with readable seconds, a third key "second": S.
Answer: {"hour": 12, "minute": 45}
